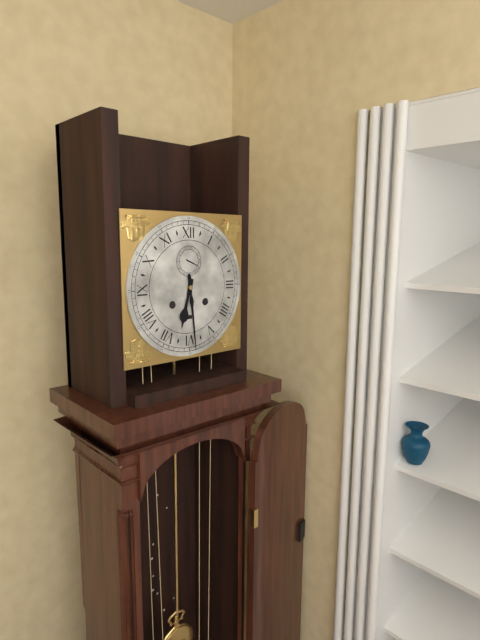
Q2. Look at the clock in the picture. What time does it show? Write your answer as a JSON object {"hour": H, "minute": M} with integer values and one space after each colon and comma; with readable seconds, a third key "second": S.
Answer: {"hour": 6, "minute": 29}
